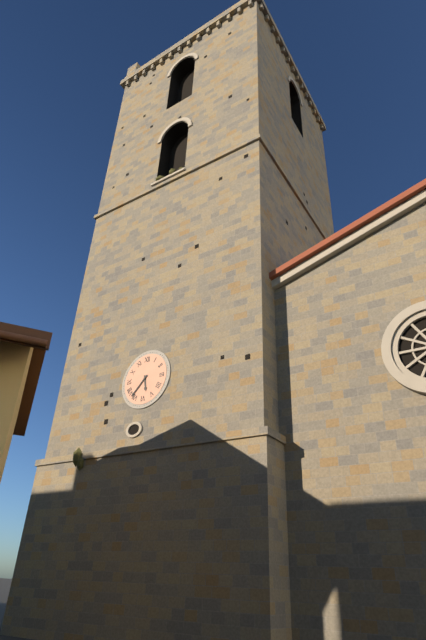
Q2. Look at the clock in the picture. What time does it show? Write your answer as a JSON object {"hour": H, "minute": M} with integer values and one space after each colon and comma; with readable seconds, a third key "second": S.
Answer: {"hour": 5, "minute": 37}
